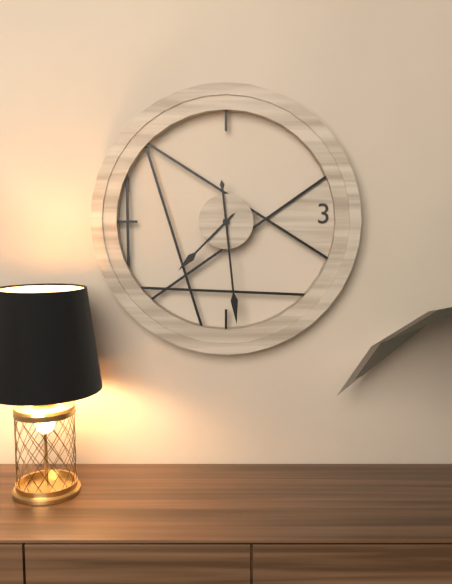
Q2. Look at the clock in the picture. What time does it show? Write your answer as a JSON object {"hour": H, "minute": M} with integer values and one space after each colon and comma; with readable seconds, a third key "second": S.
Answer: {"hour": 7, "minute": 29}
